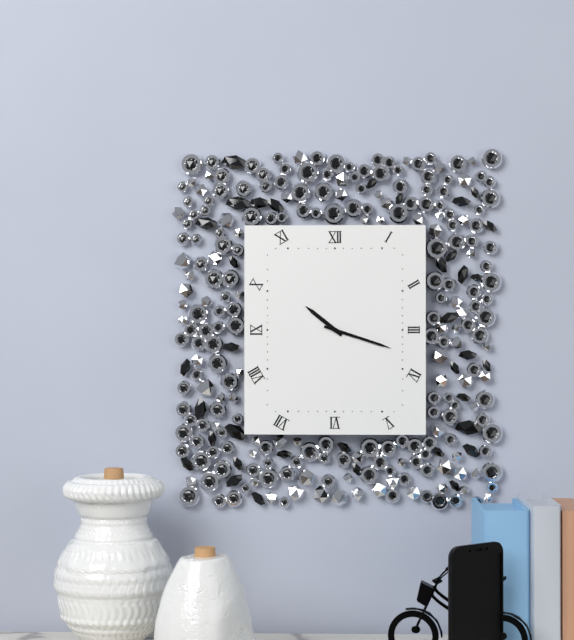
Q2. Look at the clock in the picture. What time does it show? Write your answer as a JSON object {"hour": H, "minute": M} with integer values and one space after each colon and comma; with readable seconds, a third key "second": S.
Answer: {"hour": 10, "minute": 18}
